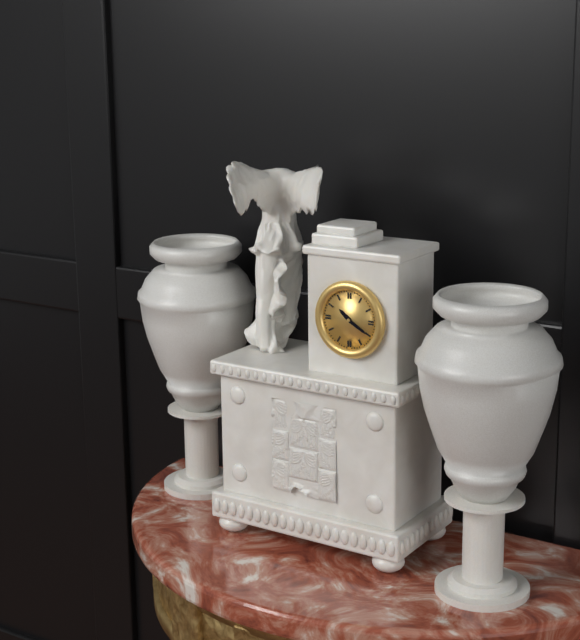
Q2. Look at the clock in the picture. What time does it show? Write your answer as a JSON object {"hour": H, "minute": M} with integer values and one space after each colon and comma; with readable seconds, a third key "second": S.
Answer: {"hour": 10, "minute": 20}
